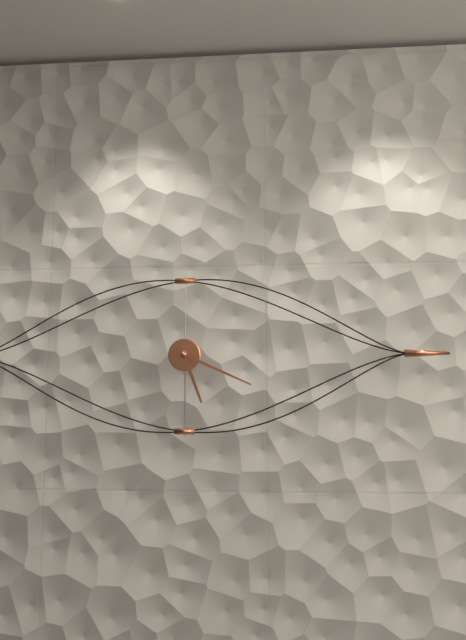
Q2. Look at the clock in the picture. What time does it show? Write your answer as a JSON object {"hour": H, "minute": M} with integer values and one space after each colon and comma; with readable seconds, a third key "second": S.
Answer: {"hour": 5, "minute": 19}
